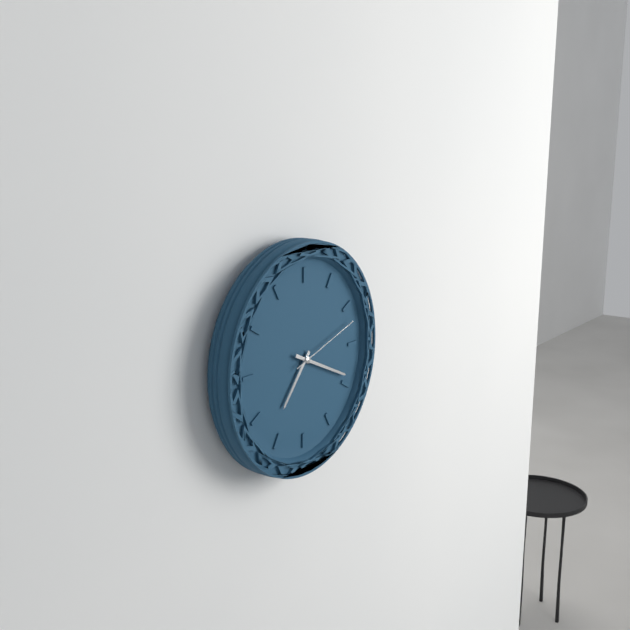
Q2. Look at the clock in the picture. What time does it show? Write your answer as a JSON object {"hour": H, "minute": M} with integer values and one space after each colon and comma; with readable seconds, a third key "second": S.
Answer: {"hour": 7, "minute": 19, "second": 12}
